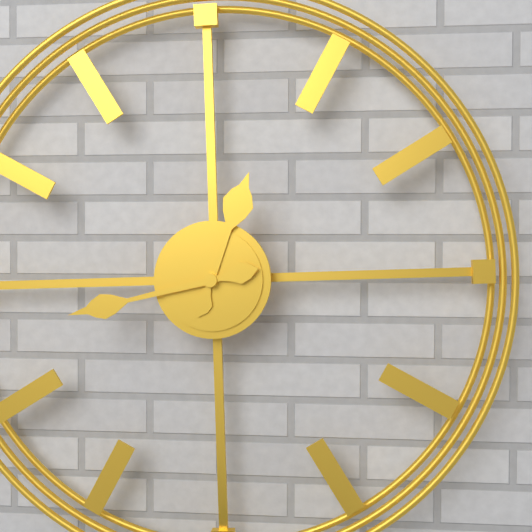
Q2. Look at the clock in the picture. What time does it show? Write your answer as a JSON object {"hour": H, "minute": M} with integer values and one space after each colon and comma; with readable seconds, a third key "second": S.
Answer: {"hour": 12, "minute": 43}
